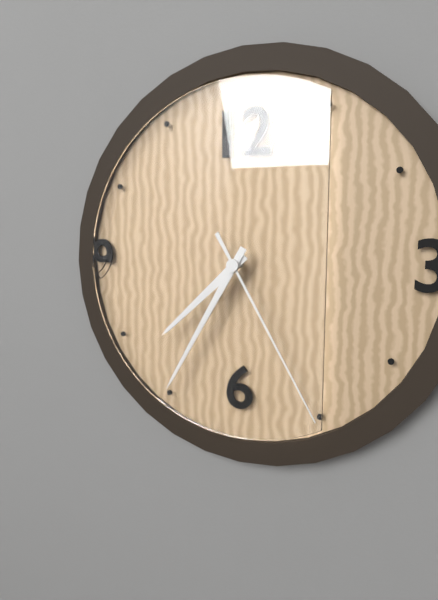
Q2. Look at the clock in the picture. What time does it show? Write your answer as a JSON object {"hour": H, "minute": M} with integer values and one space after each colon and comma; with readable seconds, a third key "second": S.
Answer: {"hour": 7, "minute": 35, "second": 25}
